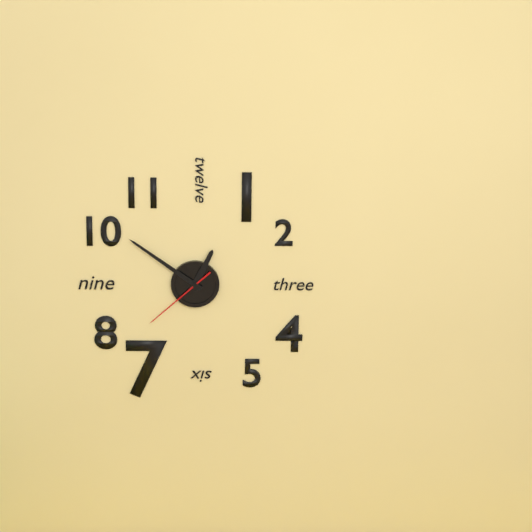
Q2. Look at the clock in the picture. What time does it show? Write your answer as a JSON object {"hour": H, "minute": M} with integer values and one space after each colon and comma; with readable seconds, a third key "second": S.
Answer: {"hour": 12, "minute": 51, "second": 38}
